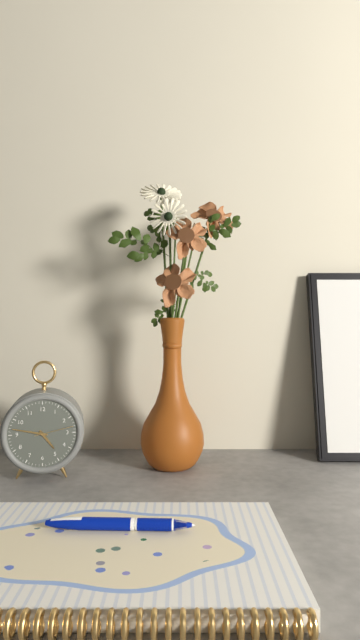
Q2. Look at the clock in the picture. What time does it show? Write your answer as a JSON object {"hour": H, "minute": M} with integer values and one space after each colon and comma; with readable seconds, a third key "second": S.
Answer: {"hour": 4, "minute": 47}
